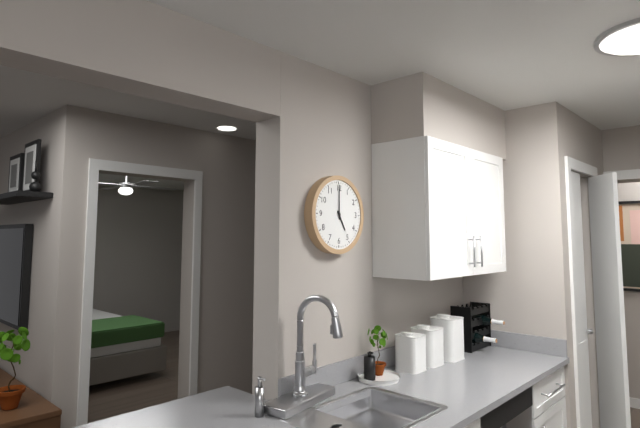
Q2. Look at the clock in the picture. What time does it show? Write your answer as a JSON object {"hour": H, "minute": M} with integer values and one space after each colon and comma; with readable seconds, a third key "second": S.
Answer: {"hour": 5, "minute": 0}
